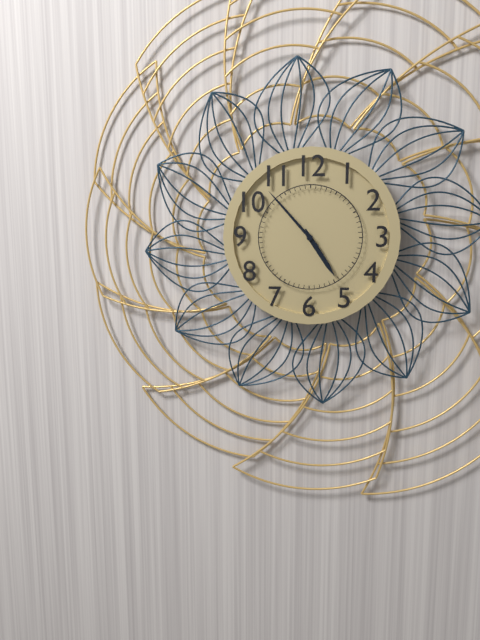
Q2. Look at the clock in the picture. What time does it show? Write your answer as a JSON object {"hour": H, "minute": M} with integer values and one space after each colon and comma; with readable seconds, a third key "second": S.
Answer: {"hour": 4, "minute": 53}
